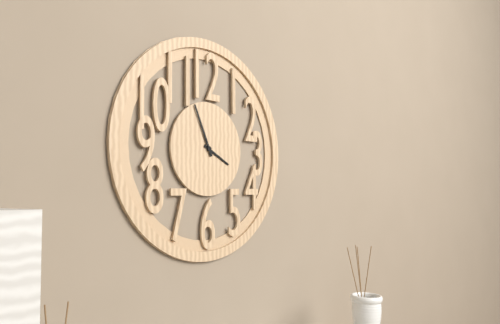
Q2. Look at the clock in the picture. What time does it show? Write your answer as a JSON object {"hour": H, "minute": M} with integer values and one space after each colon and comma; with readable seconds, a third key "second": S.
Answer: {"hour": 3, "minute": 56}
